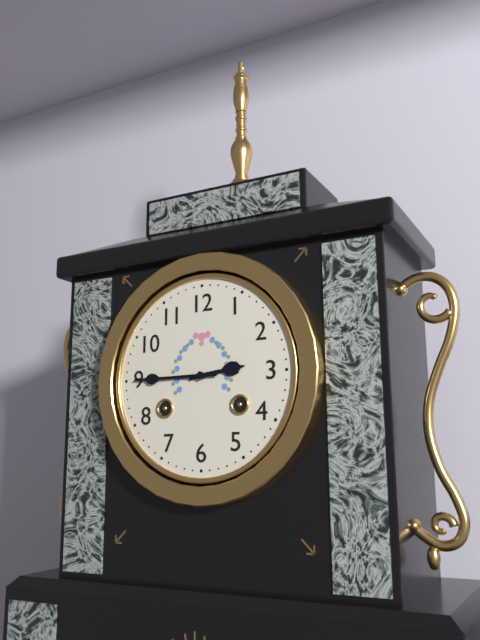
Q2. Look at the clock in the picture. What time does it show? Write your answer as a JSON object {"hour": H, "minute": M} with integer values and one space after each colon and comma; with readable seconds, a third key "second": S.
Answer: {"hour": 2, "minute": 45}
